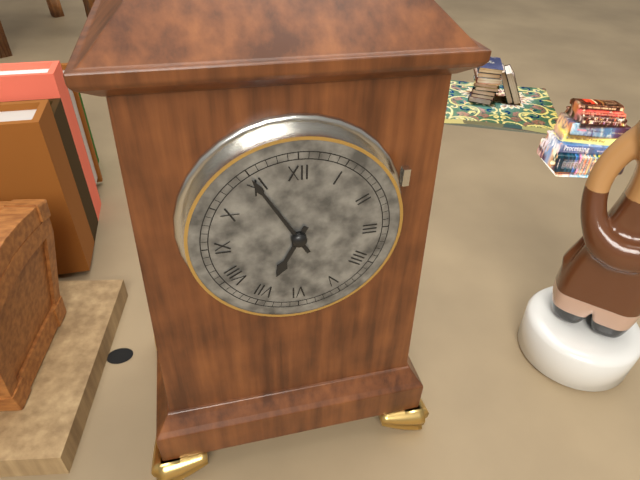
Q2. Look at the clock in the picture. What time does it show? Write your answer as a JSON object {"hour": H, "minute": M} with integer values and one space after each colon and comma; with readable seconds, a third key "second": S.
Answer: {"hour": 6, "minute": 55}
